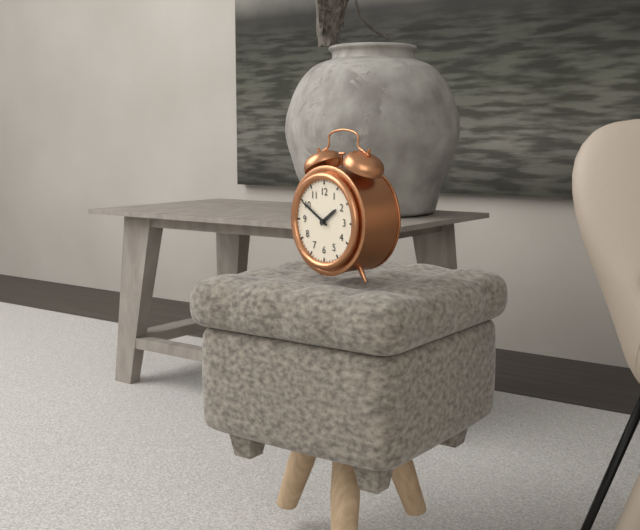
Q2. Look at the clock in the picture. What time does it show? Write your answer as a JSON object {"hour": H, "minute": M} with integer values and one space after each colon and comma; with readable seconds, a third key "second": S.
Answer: {"hour": 1, "minute": 50}
